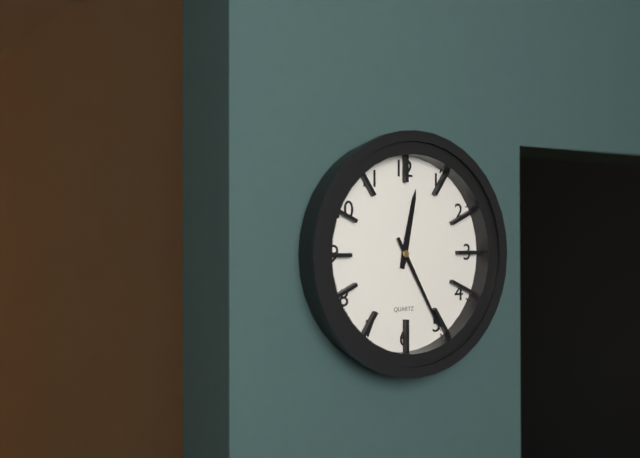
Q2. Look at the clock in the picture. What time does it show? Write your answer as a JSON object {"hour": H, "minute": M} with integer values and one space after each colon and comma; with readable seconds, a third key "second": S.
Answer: {"hour": 12, "minute": 25}
